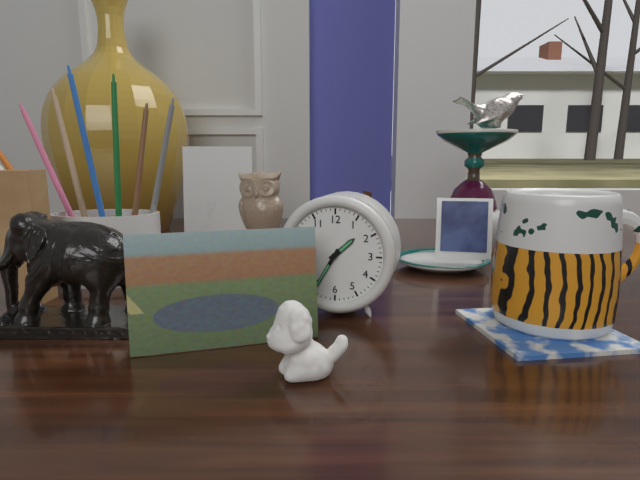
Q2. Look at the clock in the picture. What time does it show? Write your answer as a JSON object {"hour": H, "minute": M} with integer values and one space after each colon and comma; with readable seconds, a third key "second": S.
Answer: {"hour": 1, "minute": 35}
